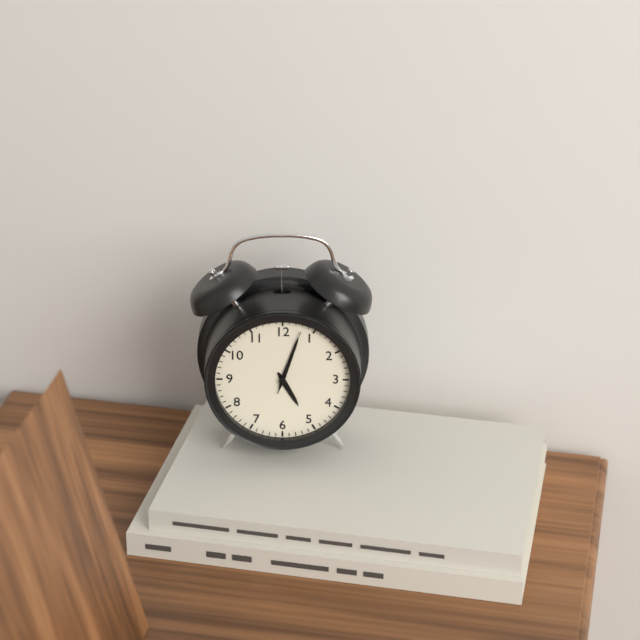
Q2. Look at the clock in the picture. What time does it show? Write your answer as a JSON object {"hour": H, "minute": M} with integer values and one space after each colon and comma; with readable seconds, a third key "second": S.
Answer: {"hour": 5, "minute": 3, "second": 3}
